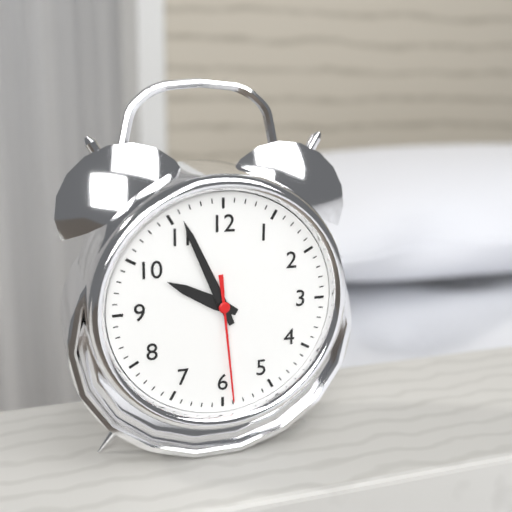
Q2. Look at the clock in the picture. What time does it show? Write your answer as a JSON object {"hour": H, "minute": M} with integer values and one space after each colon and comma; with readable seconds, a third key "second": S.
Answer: {"hour": 9, "minute": 56, "second": 29}
